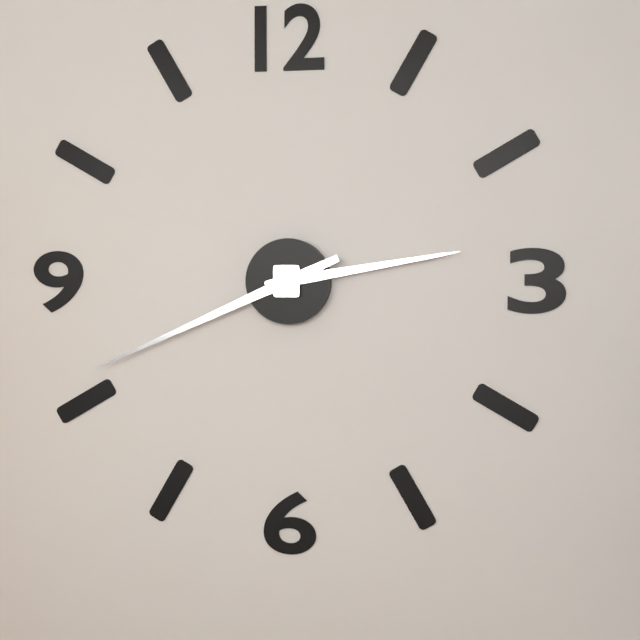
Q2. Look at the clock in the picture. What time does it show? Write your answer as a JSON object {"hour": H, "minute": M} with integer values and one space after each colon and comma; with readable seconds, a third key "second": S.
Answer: {"hour": 2, "minute": 41}
